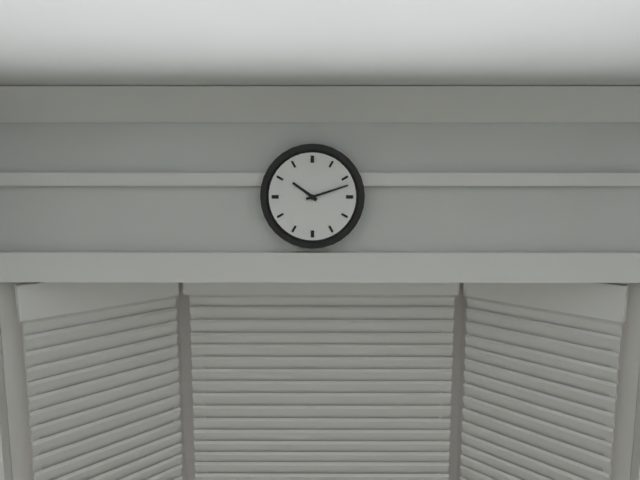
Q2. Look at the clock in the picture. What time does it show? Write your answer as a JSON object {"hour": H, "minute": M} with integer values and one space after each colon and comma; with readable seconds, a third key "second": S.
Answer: {"hour": 10, "minute": 12}
